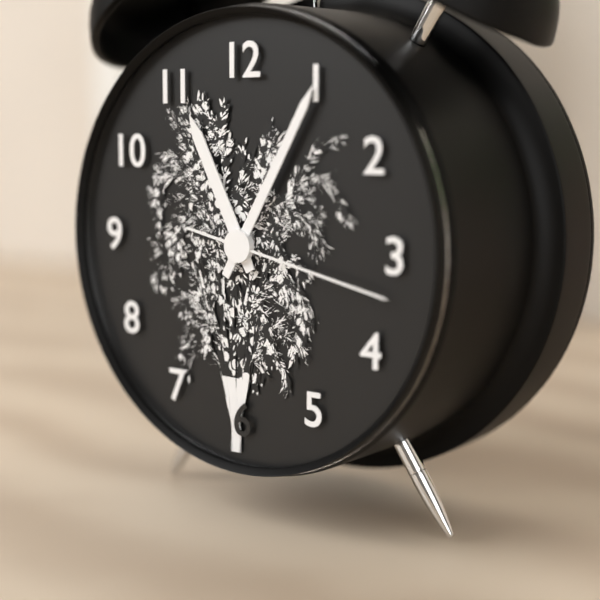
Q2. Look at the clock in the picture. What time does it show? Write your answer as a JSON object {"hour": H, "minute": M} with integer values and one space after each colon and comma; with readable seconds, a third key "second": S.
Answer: {"hour": 11, "minute": 5, "second": 17}
